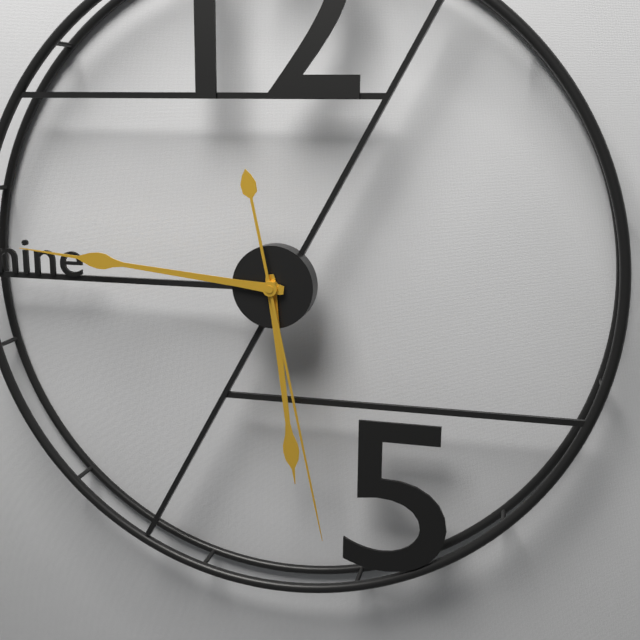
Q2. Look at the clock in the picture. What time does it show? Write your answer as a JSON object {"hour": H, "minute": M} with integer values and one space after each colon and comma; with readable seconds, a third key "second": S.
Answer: {"hour": 5, "minute": 46, "second": 28}
